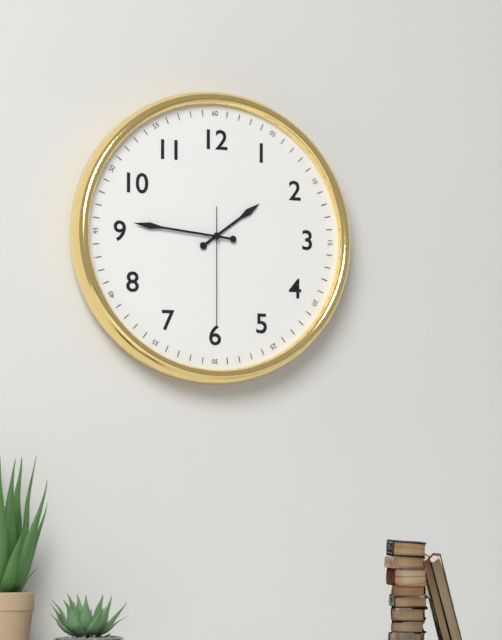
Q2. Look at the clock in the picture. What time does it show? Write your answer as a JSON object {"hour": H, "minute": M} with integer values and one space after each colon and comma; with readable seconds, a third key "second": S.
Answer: {"hour": 1, "minute": 46, "second": 30}
